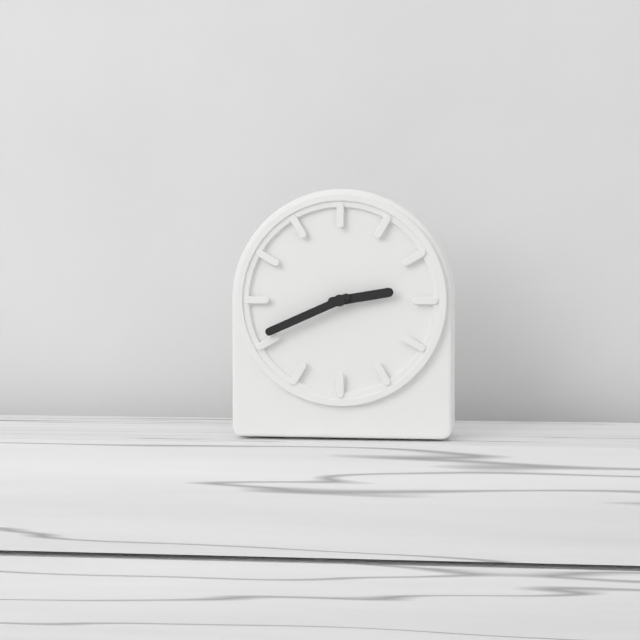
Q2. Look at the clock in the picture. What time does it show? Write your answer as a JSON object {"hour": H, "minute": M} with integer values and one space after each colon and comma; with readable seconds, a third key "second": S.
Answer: {"hour": 2, "minute": 41}
